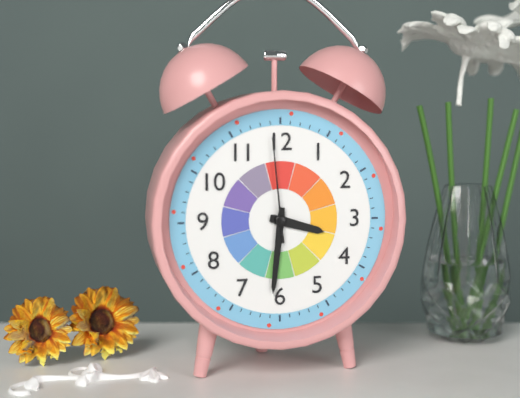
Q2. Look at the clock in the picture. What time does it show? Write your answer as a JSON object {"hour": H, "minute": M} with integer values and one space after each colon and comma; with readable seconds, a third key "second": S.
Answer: {"hour": 3, "minute": 31, "second": 59}
